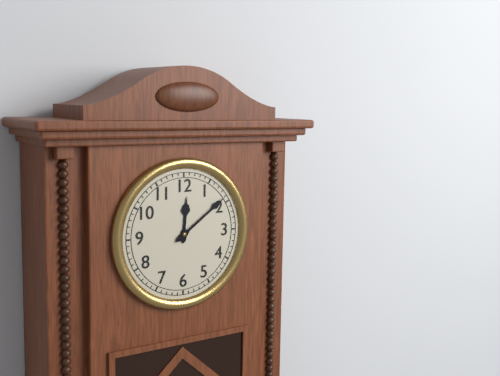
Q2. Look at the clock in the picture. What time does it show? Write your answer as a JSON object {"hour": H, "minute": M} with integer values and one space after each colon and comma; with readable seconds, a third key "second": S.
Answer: {"hour": 12, "minute": 9}
